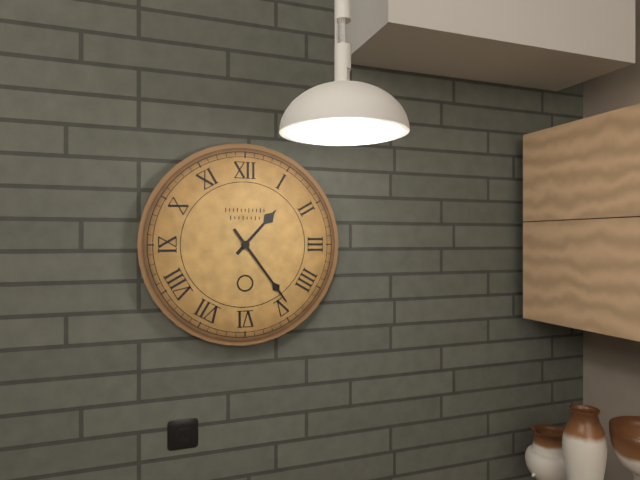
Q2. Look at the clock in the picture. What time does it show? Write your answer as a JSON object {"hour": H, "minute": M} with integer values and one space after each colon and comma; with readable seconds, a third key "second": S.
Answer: {"hour": 1, "minute": 24}
